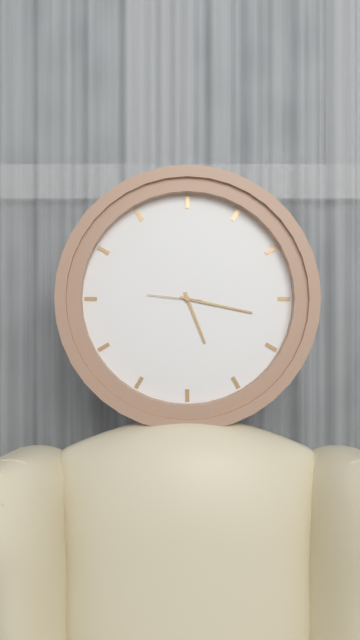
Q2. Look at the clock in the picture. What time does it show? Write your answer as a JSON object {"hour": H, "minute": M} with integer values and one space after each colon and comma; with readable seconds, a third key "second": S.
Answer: {"hour": 5, "minute": 17, "second": 46}
